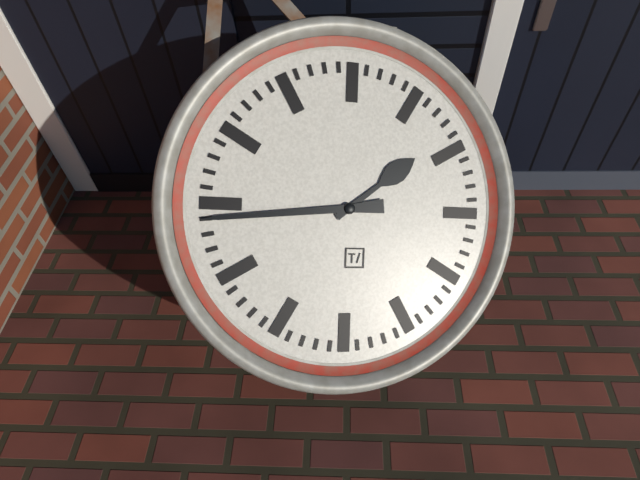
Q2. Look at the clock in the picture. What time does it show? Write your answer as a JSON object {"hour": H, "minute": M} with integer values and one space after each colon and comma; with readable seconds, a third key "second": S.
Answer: {"hour": 1, "minute": 44}
